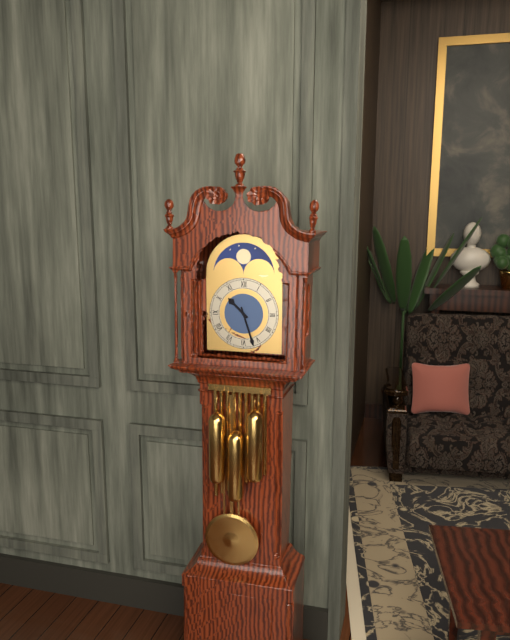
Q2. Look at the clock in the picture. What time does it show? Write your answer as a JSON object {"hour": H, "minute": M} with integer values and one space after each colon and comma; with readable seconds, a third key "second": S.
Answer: {"hour": 10, "minute": 27}
